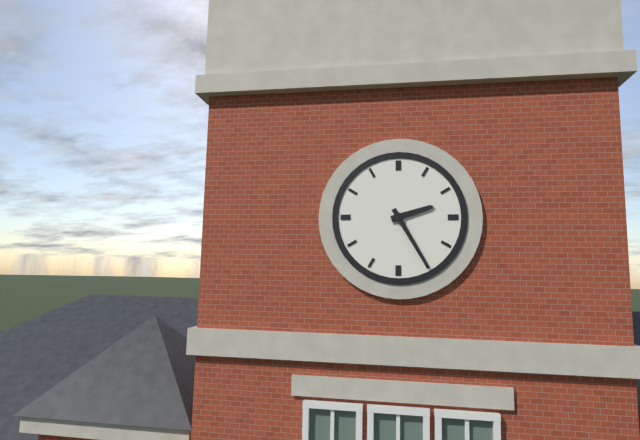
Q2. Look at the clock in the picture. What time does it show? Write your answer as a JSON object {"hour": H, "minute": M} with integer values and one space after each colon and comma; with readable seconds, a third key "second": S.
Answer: {"hour": 2, "minute": 25}
